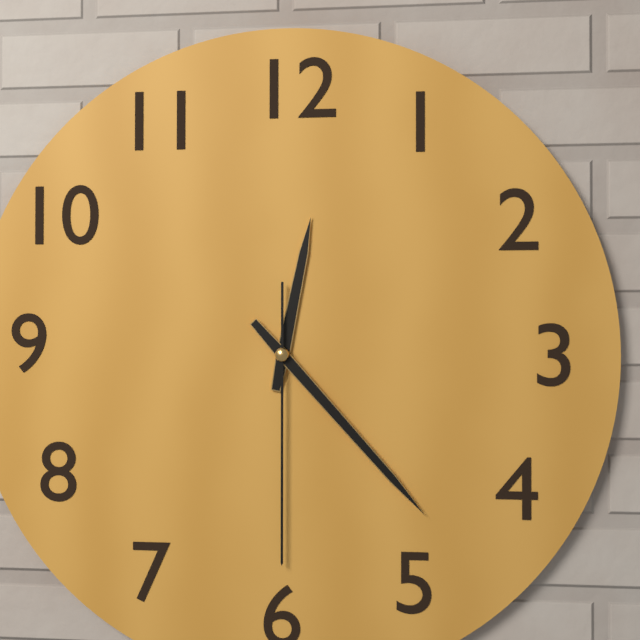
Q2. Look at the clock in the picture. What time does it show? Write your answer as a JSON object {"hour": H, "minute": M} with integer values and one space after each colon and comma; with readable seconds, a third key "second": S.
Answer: {"hour": 12, "minute": 23, "second": 30}
